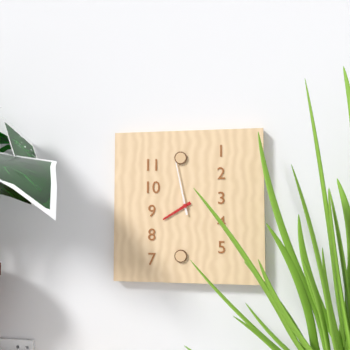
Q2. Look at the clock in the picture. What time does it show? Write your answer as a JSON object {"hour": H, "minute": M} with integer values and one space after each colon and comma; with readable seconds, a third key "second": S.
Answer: {"hour": 7, "minute": 58}
